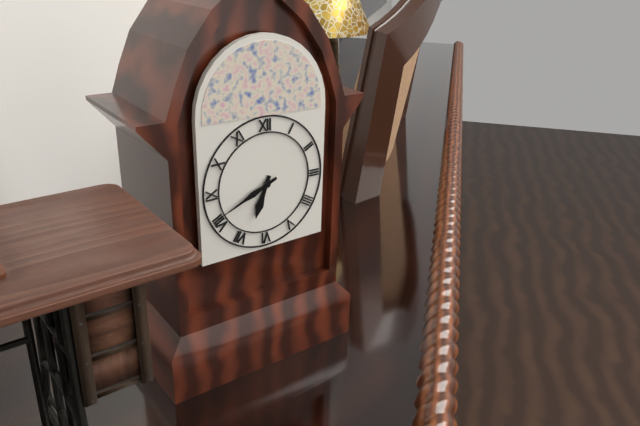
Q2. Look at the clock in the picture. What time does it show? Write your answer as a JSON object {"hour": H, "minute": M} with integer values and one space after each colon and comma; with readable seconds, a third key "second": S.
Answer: {"hour": 6, "minute": 41}
